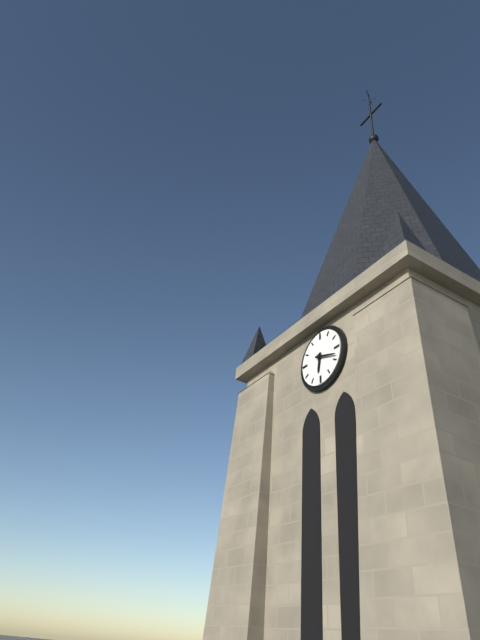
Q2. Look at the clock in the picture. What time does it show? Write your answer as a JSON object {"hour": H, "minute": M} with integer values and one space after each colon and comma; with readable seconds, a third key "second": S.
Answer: {"hour": 6, "minute": 18}
